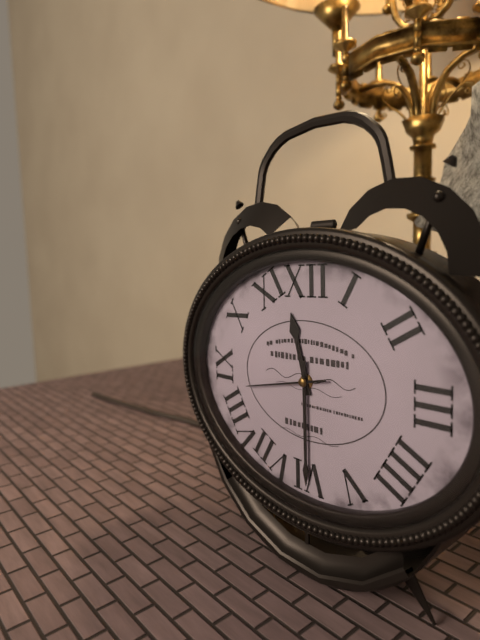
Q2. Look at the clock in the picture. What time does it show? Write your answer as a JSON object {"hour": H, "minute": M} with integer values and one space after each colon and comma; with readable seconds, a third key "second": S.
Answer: {"hour": 11, "minute": 30, "second": 43}
